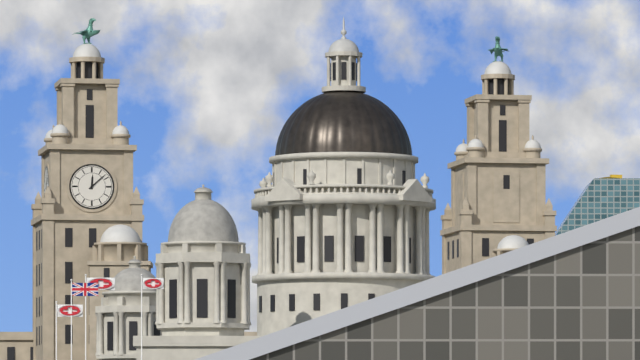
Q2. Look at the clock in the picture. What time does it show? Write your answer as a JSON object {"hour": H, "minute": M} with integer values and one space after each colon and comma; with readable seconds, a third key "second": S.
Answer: {"hour": 12, "minute": 8}
